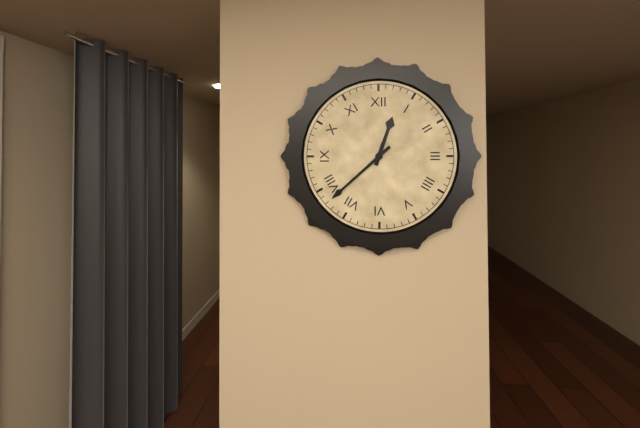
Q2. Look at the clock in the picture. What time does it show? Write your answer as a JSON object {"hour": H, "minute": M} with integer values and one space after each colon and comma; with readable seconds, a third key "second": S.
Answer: {"hour": 12, "minute": 38}
